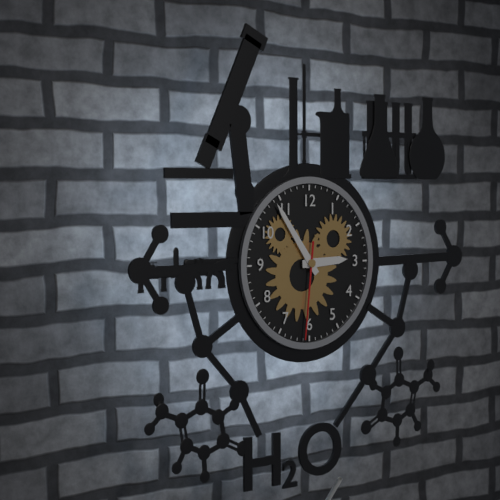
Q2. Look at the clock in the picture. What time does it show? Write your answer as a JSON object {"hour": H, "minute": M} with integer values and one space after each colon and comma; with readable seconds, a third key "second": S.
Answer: {"hour": 2, "minute": 54, "second": 31}
